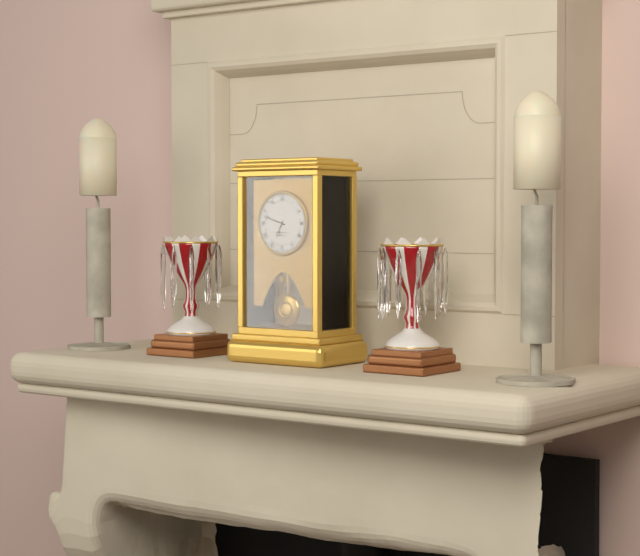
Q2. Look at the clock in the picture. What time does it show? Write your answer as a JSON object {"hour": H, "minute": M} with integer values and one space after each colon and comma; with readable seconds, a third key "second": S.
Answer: {"hour": 6, "minute": 48}
